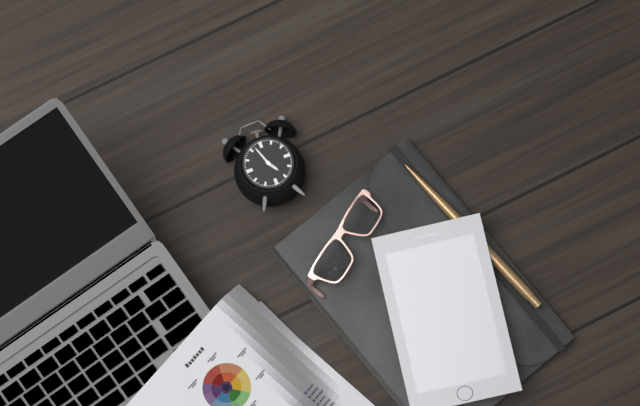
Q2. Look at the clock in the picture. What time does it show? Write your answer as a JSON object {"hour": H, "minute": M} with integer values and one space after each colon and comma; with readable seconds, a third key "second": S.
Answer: {"hour": 4, "minute": 57}
